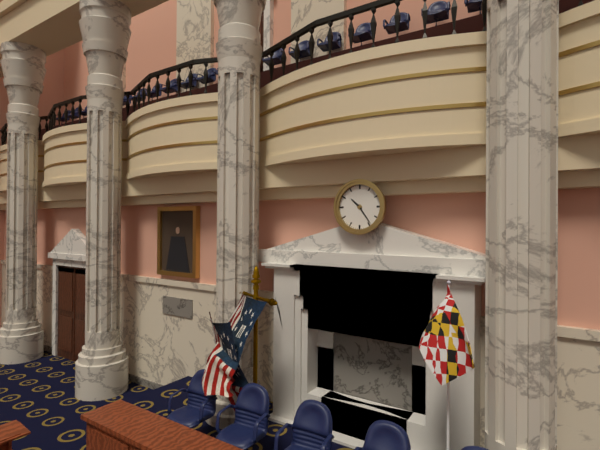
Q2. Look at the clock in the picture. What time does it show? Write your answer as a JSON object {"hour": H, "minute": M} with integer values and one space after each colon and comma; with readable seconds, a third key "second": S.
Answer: {"hour": 10, "minute": 24}
